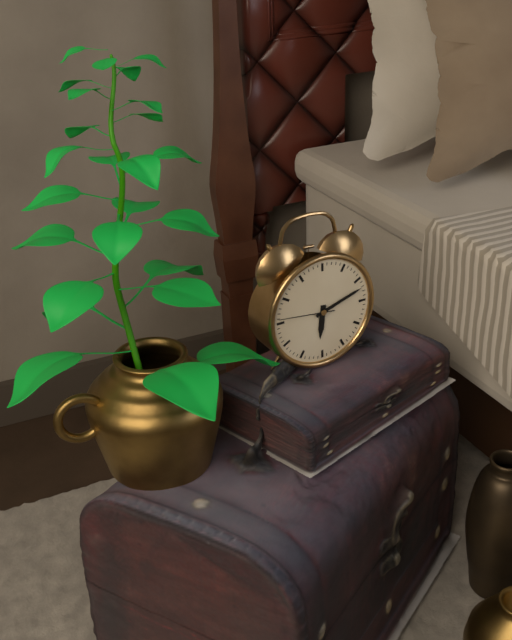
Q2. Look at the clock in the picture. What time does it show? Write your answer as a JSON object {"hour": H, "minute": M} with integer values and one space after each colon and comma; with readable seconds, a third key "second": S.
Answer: {"hour": 6, "minute": 12, "second": 46}
